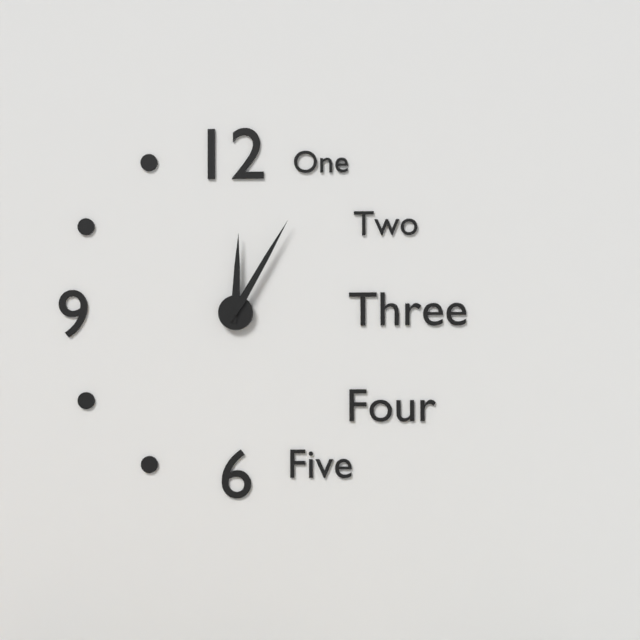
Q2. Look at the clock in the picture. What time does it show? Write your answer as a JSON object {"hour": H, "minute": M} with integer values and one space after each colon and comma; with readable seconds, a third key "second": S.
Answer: {"hour": 12, "minute": 5}
